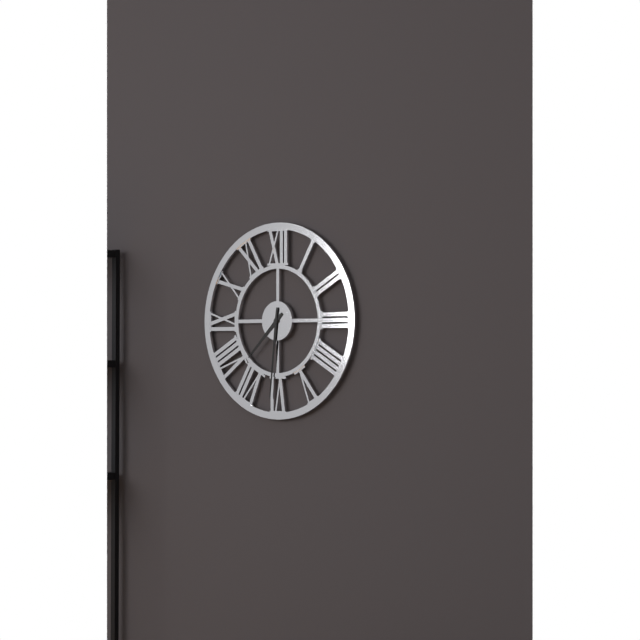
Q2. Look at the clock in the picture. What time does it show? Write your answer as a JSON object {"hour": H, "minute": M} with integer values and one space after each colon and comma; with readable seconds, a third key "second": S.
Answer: {"hour": 7, "minute": 31}
